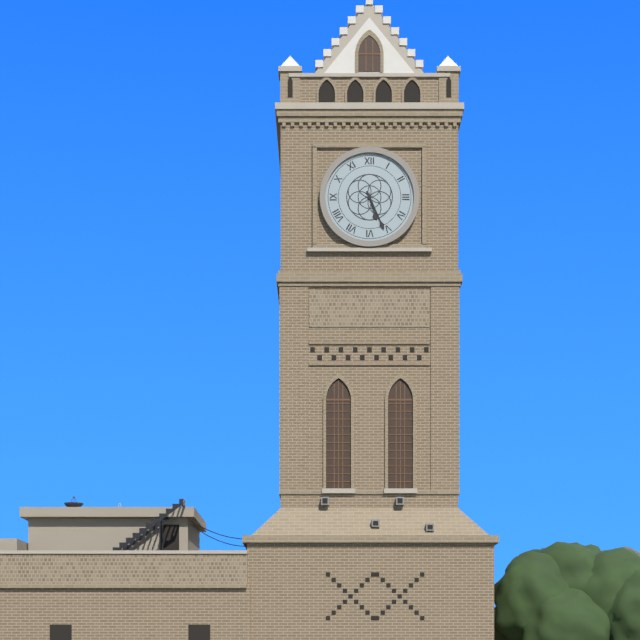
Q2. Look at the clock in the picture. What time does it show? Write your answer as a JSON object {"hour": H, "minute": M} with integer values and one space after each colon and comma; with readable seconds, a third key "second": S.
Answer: {"hour": 5, "minute": 26}
